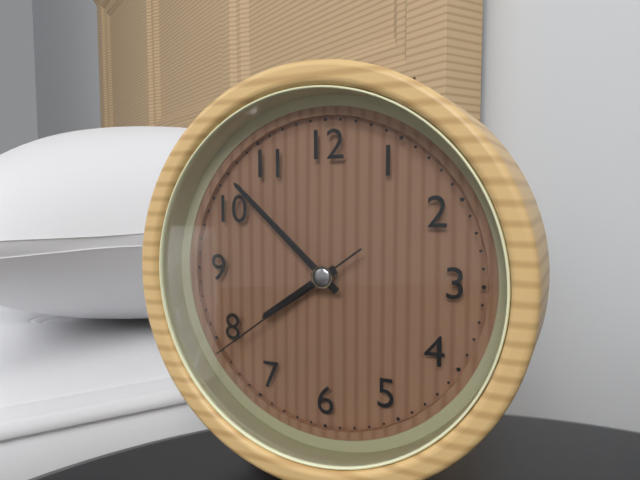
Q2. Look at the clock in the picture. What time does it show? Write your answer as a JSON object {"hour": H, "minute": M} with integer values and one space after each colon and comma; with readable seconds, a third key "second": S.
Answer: {"hour": 7, "minute": 52, "second": 39}
